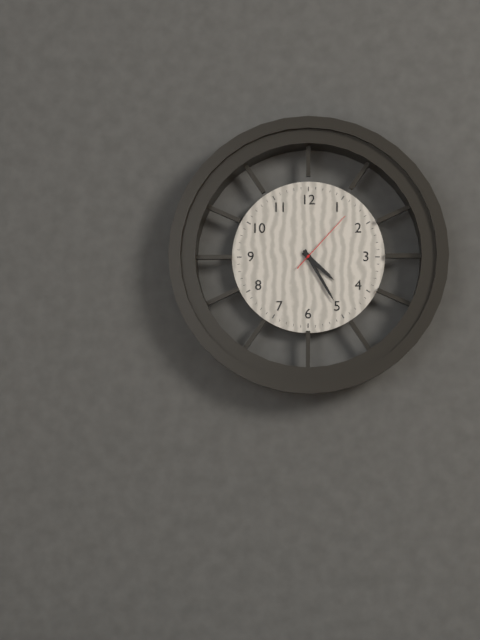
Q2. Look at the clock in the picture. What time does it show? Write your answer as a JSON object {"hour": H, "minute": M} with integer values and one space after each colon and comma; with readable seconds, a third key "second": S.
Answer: {"hour": 4, "minute": 25, "second": 7}
